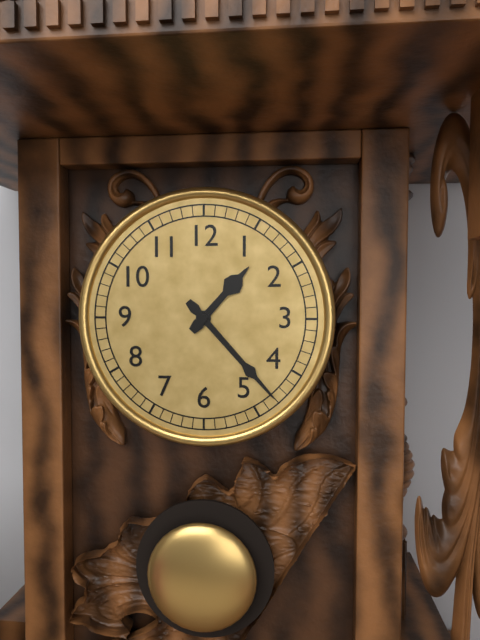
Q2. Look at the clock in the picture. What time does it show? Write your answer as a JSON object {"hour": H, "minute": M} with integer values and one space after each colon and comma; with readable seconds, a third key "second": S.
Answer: {"hour": 1, "minute": 23}
